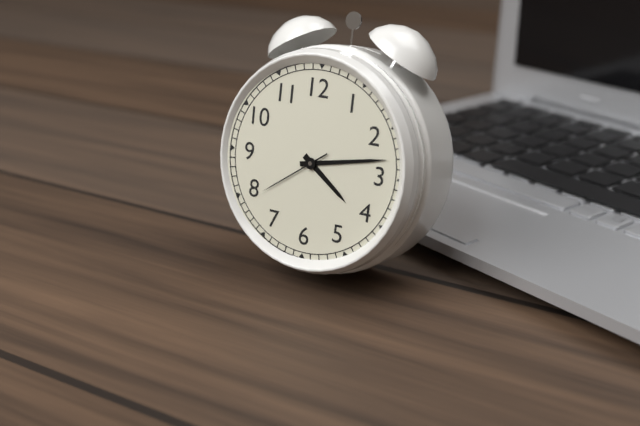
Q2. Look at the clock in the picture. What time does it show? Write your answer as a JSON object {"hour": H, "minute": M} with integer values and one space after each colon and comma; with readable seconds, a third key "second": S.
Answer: {"hour": 4, "minute": 13, "second": 39}
